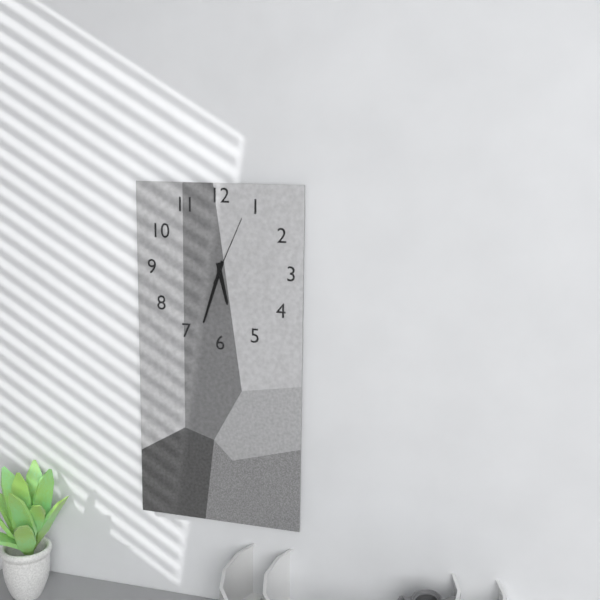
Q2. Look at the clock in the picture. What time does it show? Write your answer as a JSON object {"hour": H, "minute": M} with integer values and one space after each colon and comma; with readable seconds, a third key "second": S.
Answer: {"hour": 5, "minute": 33, "second": 4}
